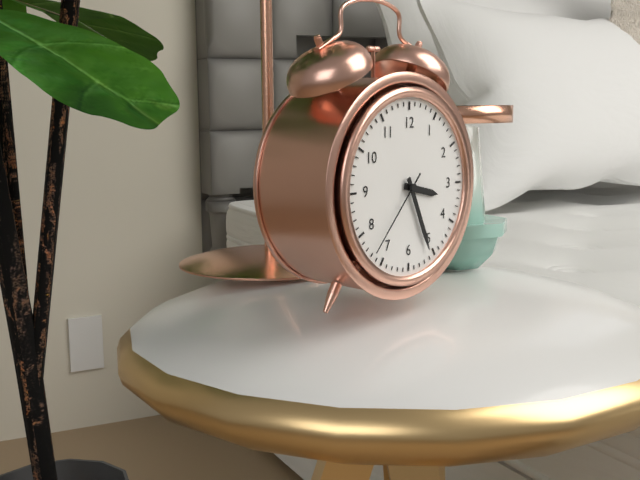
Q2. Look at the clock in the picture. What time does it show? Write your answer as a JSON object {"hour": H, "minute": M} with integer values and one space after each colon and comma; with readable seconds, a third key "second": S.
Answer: {"hour": 3, "minute": 26, "second": 37}
